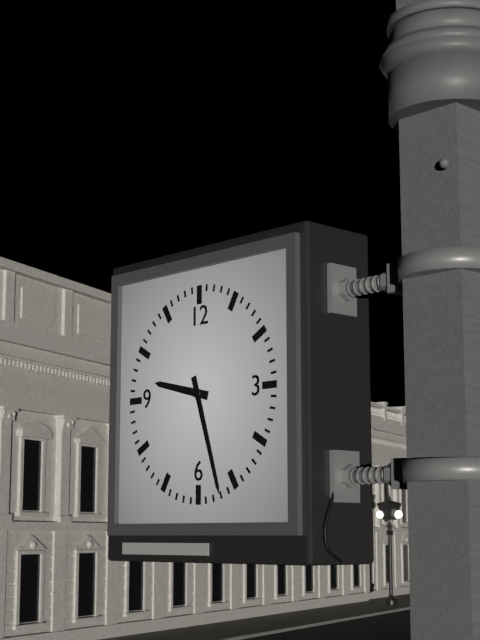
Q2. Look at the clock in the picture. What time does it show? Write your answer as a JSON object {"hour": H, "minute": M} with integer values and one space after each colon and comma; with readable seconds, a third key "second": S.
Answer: {"hour": 9, "minute": 27}
